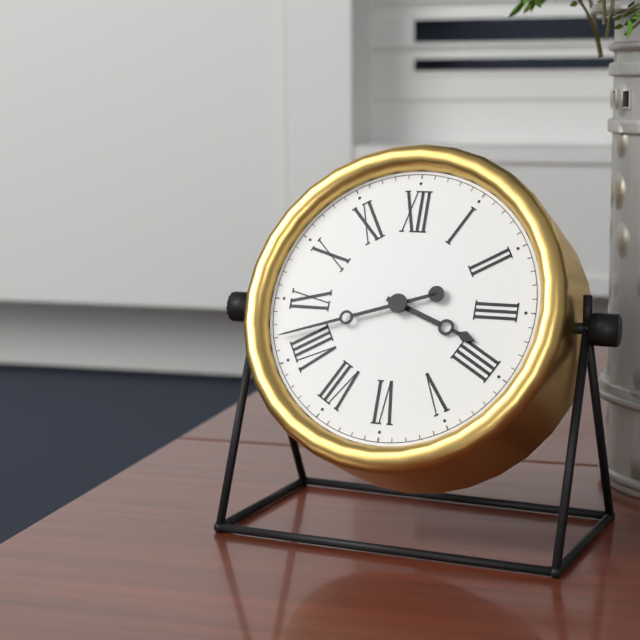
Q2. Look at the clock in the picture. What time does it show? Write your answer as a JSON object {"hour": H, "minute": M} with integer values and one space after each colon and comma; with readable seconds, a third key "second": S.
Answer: {"hour": 3, "minute": 42}
